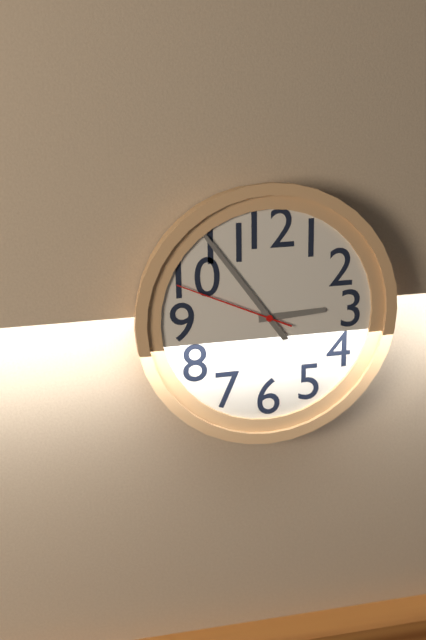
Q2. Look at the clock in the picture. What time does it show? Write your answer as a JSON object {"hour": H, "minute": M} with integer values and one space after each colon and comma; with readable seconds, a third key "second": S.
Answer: {"hour": 2, "minute": 54, "second": 49}
